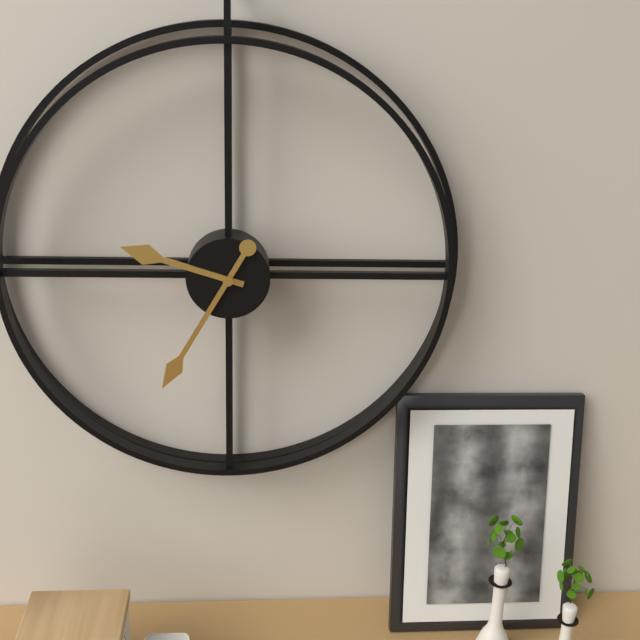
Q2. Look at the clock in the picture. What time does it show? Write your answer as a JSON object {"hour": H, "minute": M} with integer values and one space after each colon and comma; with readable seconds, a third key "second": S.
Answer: {"hour": 9, "minute": 35}
